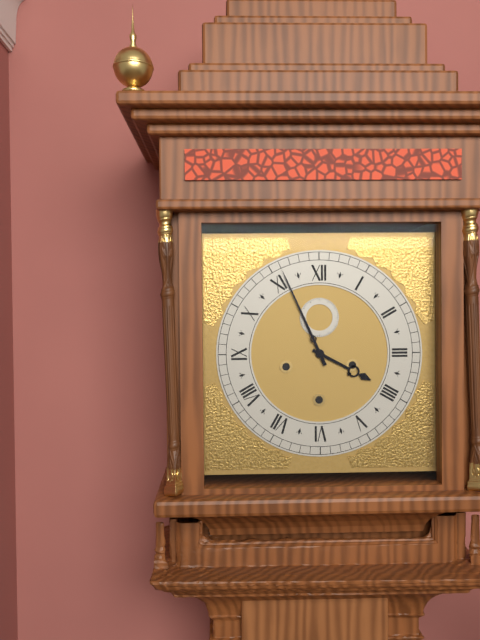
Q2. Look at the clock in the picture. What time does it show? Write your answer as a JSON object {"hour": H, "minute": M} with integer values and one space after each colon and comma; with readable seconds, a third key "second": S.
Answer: {"hour": 3, "minute": 56}
